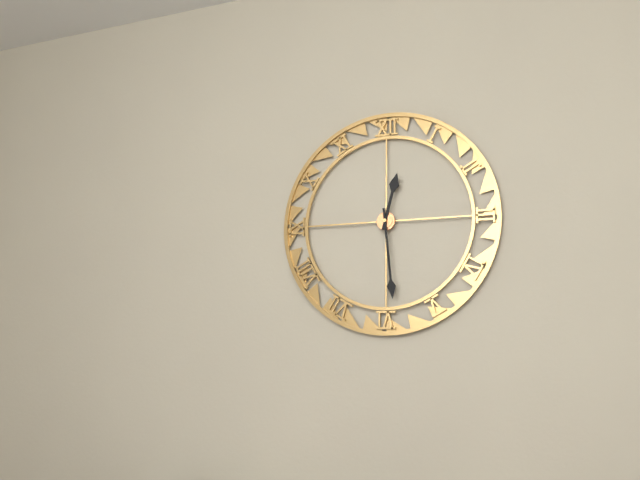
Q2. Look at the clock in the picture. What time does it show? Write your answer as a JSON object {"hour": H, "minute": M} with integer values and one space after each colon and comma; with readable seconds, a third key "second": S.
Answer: {"hour": 12, "minute": 29}
